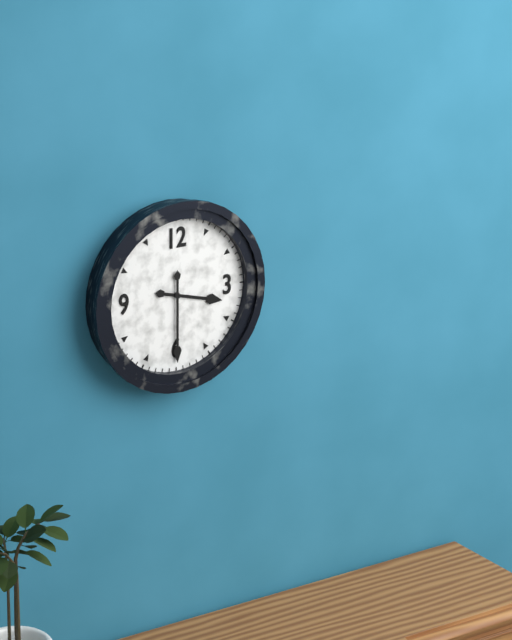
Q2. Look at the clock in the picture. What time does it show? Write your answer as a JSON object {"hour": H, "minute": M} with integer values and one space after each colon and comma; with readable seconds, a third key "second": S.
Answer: {"hour": 3, "minute": 30}
